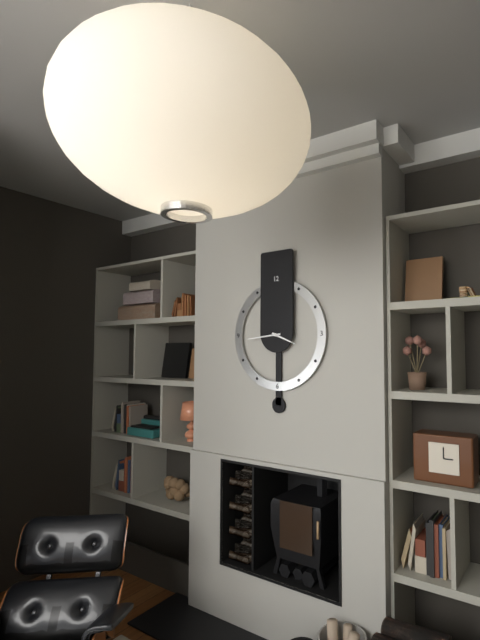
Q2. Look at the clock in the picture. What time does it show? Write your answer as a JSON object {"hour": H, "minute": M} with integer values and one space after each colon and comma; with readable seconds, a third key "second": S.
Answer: {"hour": 3, "minute": 44}
